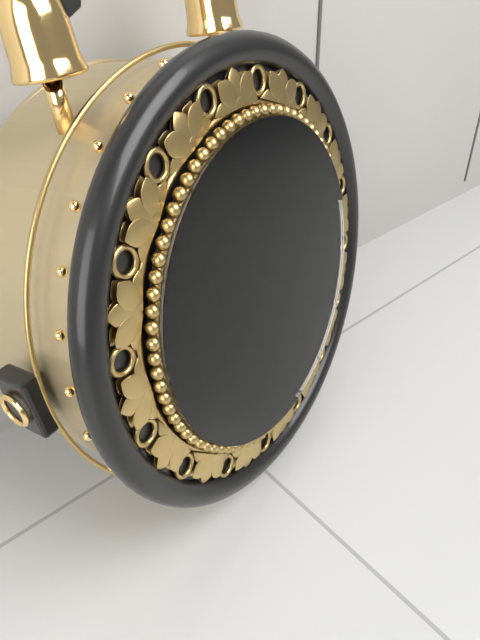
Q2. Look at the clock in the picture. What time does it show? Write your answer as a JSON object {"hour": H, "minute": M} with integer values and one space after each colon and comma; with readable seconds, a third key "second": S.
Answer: {"hour": 2, "minute": 56, "second": 44}
